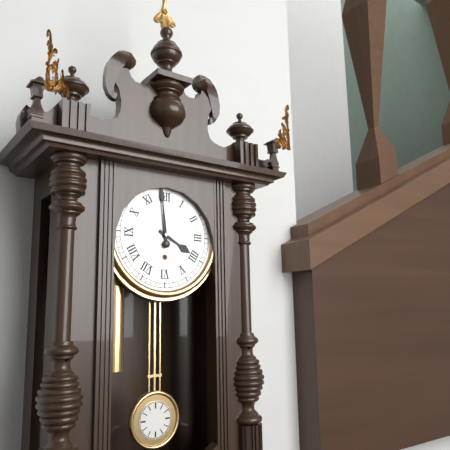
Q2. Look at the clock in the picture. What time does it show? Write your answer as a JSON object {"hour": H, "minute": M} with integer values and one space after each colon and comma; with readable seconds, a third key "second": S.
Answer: {"hour": 3, "minute": 59}
